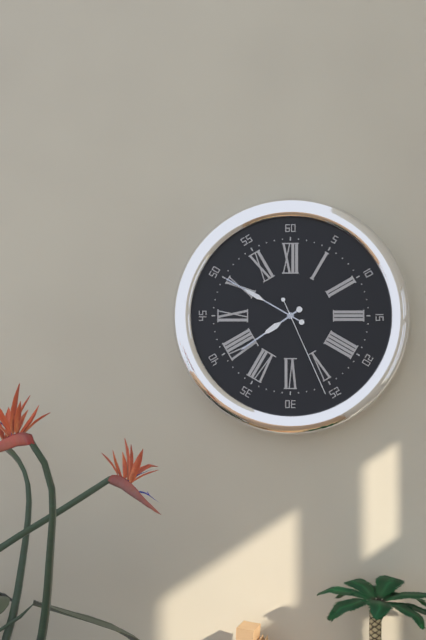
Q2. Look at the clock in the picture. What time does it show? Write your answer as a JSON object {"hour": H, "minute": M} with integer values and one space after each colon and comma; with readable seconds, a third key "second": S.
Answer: {"hour": 7, "minute": 50, "second": 26}
